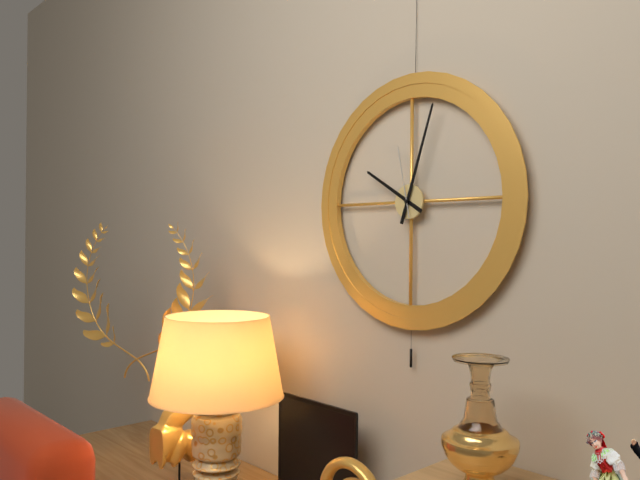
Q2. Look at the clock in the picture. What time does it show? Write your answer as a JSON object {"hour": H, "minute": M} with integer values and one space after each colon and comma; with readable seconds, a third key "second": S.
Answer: {"hour": 10, "minute": 3, "second": 58}
